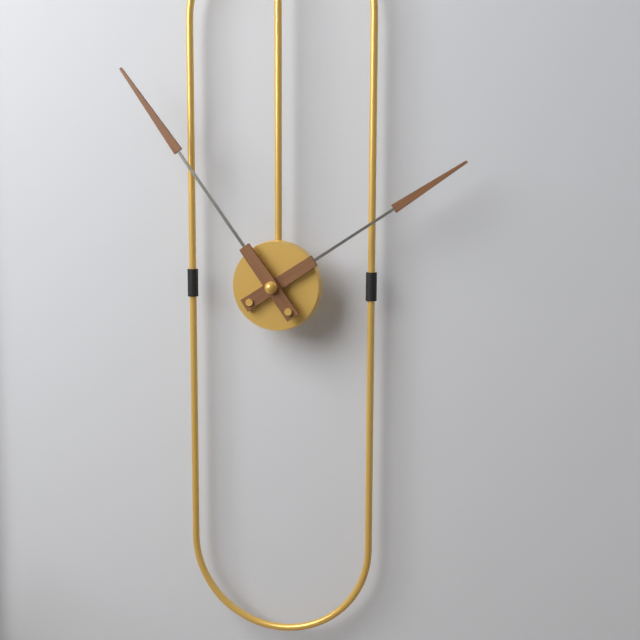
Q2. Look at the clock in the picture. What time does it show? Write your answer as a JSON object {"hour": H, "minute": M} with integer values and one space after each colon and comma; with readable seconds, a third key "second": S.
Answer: {"hour": 1, "minute": 54}
